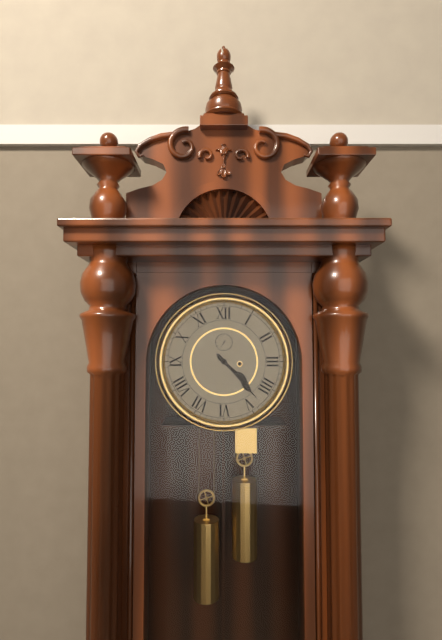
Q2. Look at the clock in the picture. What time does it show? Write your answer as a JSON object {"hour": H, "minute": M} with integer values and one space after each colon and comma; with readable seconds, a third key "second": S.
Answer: {"hour": 4, "minute": 23}
